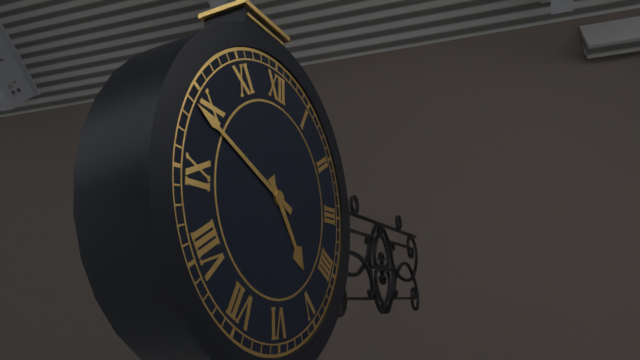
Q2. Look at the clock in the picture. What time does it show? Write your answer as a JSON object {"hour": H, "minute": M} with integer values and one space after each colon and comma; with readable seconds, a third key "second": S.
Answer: {"hour": 4, "minute": 49}
